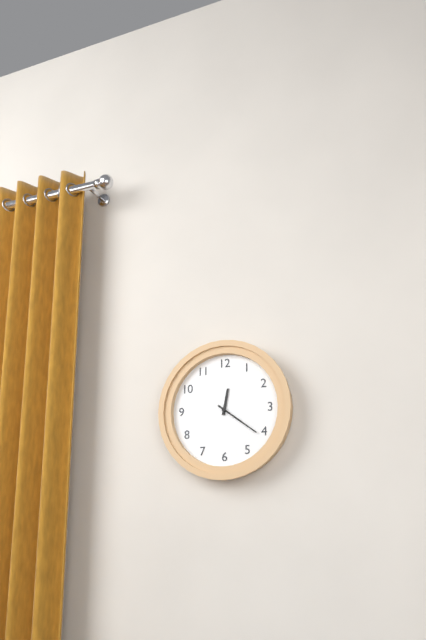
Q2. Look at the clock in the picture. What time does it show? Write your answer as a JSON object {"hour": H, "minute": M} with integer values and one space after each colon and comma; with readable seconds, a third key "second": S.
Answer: {"hour": 12, "minute": 21}
